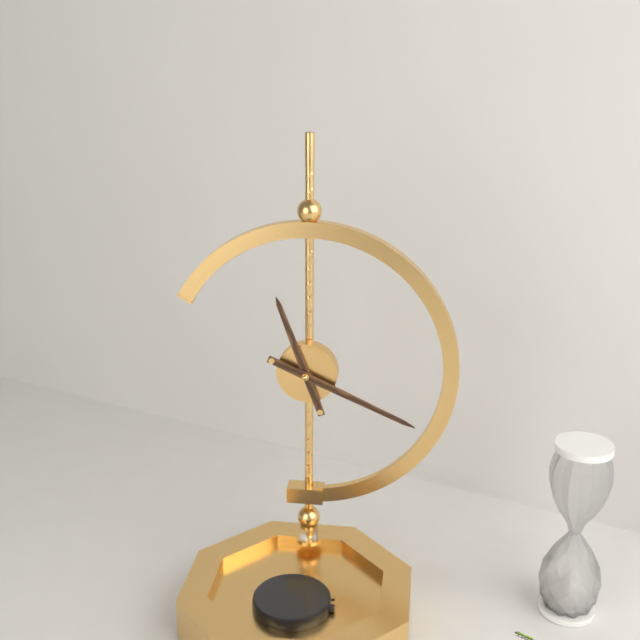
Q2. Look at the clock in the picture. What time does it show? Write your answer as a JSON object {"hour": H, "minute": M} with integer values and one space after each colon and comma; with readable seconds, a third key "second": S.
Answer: {"hour": 11, "minute": 19}
